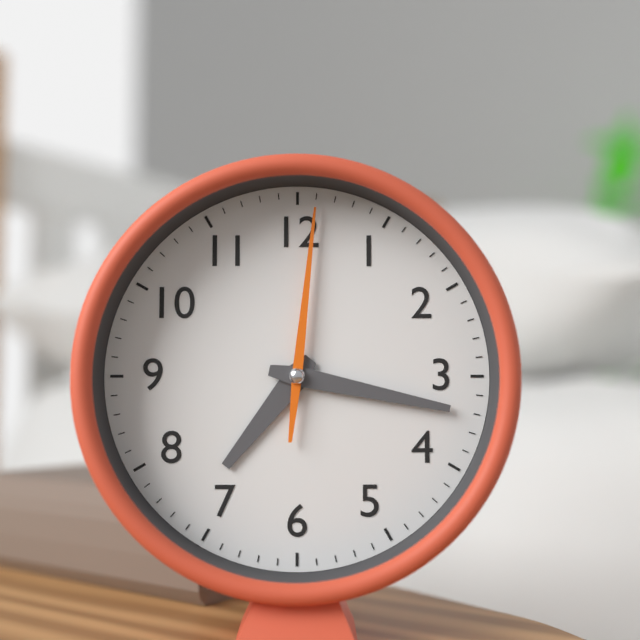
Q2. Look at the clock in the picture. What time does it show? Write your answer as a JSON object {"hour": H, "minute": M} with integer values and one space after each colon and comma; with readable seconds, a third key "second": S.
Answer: {"hour": 7, "minute": 17, "second": 1}
